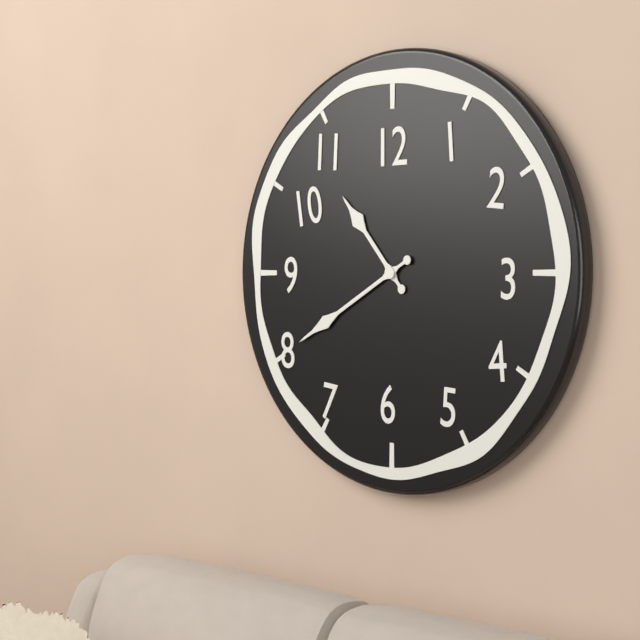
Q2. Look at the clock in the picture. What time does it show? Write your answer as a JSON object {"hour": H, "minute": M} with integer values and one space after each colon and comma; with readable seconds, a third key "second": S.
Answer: {"hour": 10, "minute": 40}
